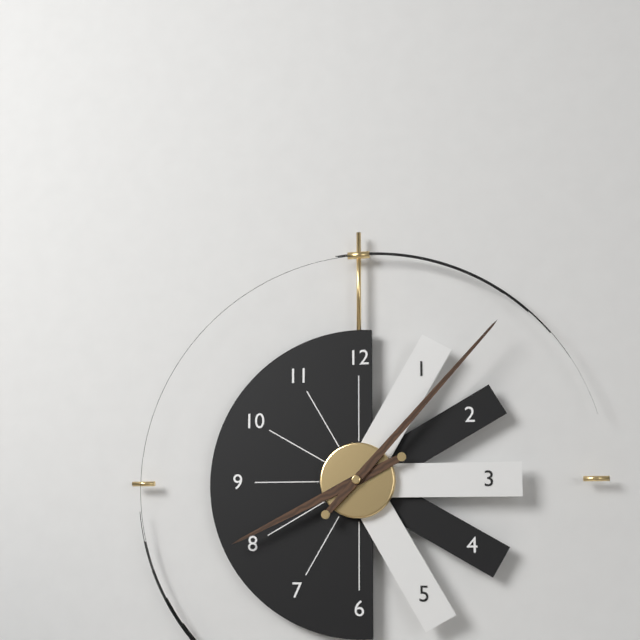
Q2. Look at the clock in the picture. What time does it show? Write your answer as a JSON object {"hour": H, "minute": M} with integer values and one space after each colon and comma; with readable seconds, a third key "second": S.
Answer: {"hour": 8, "minute": 7}
